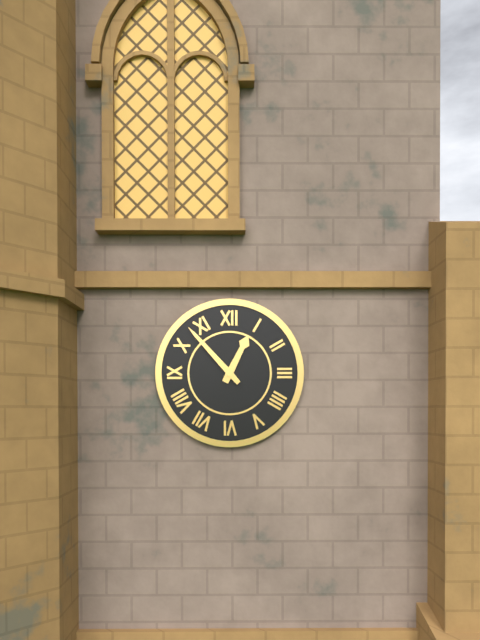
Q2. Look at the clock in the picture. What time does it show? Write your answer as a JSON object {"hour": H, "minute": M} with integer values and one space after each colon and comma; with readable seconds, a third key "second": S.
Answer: {"hour": 12, "minute": 53}
